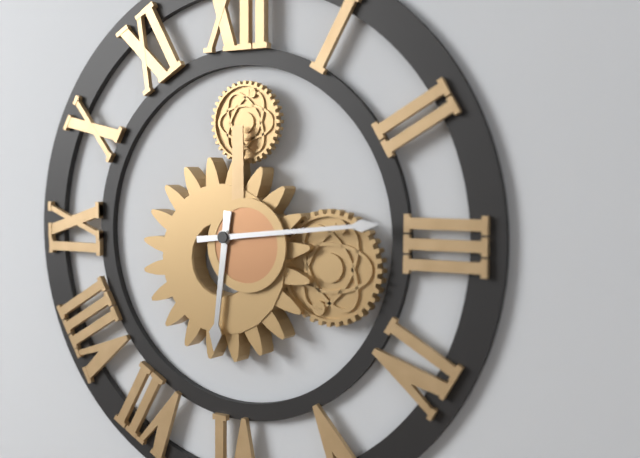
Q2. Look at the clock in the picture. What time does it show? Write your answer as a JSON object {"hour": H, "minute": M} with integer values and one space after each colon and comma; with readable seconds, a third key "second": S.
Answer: {"hour": 6, "minute": 14}
